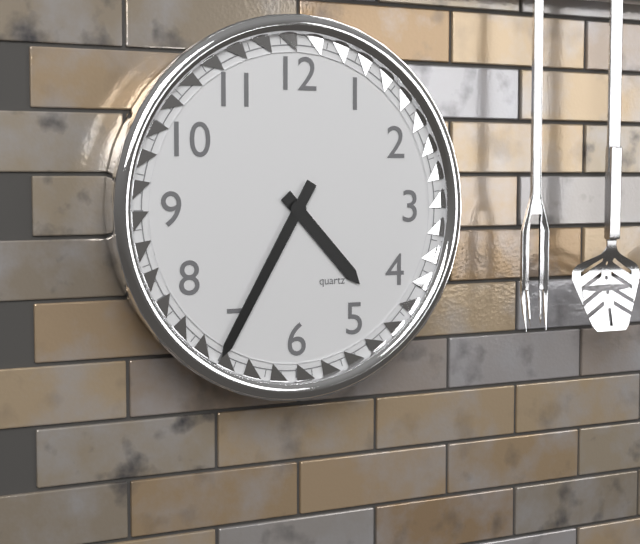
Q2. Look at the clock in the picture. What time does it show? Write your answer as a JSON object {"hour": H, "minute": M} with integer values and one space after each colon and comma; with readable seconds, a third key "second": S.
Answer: {"hour": 4, "minute": 35}
